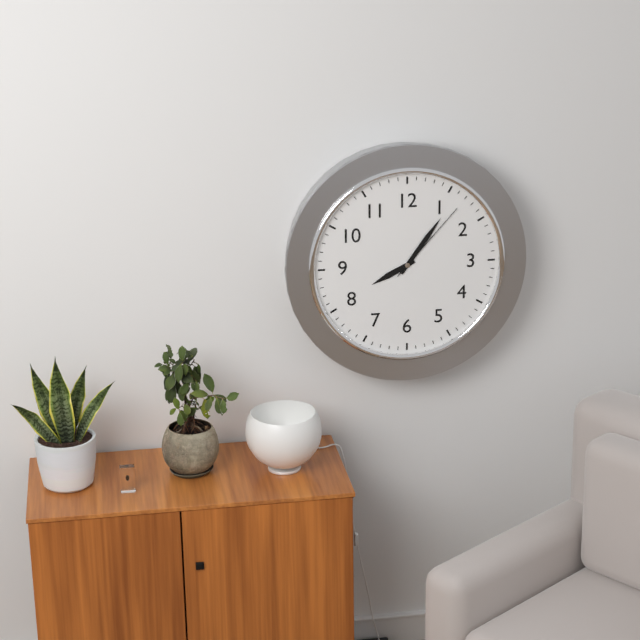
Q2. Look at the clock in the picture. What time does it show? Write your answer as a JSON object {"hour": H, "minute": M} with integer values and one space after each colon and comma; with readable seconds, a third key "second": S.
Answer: {"hour": 8, "minute": 6, "second": 7}
